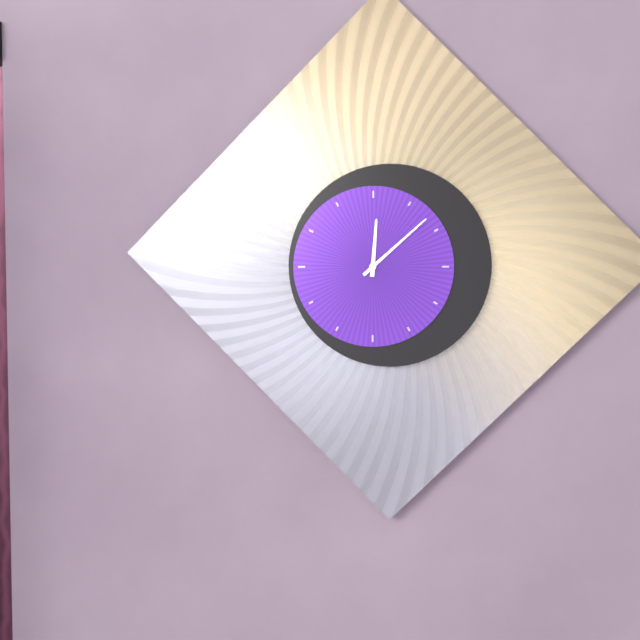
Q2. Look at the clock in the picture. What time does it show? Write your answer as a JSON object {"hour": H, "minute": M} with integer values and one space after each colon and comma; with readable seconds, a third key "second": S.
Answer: {"hour": 12, "minute": 8}
